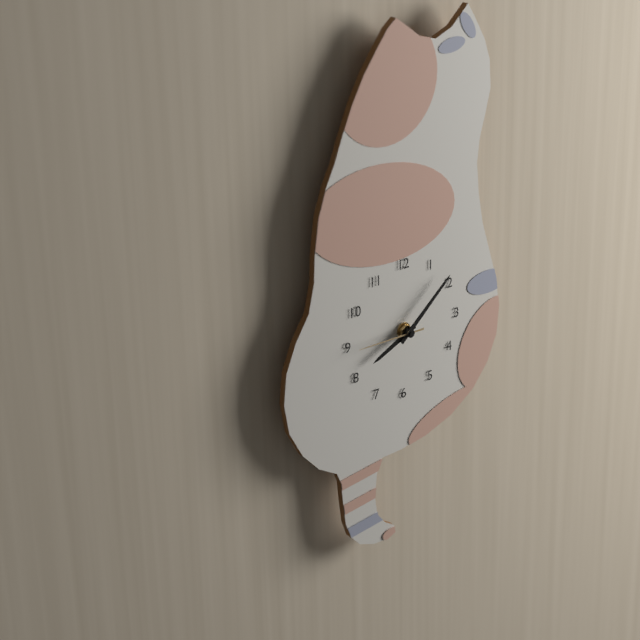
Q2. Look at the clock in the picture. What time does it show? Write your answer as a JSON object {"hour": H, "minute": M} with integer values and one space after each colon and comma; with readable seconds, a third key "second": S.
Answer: {"hour": 8, "minute": 8, "second": 45}
